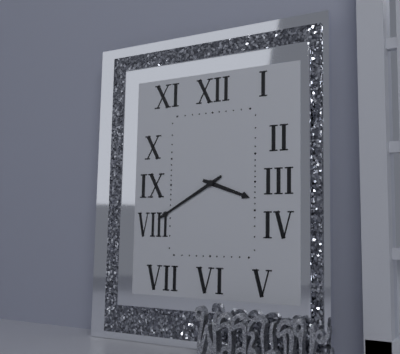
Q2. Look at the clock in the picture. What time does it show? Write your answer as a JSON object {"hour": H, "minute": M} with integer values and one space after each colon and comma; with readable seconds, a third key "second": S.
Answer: {"hour": 3, "minute": 40}
